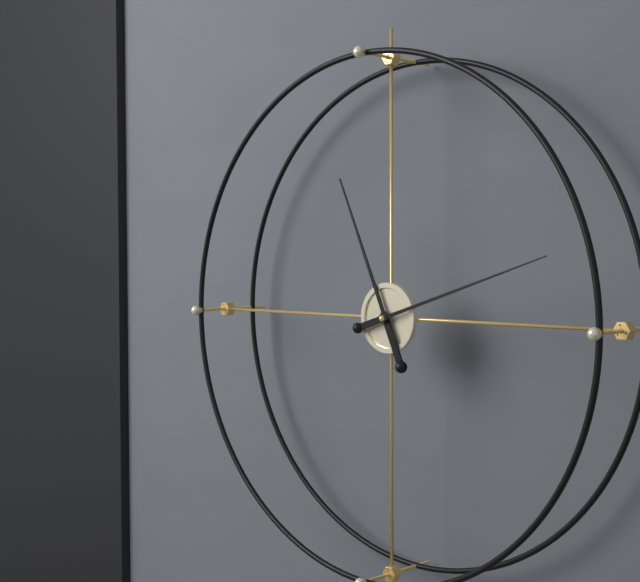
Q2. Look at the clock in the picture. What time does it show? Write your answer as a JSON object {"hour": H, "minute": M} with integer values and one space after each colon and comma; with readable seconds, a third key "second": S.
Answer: {"hour": 11, "minute": 12}
